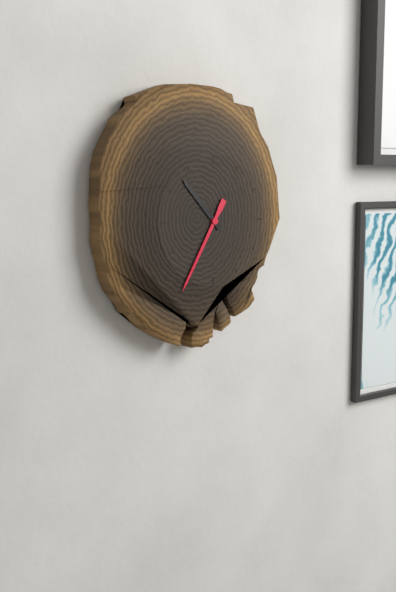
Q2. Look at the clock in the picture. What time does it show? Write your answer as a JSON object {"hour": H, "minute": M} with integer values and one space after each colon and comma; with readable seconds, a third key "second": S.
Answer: {"hour": 10, "minute": 35}
